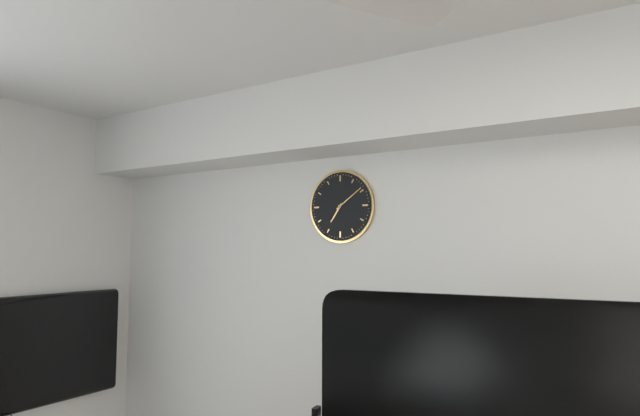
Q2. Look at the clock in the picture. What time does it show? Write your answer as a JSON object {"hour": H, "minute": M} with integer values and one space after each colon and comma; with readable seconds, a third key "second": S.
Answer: {"hour": 7, "minute": 9}
